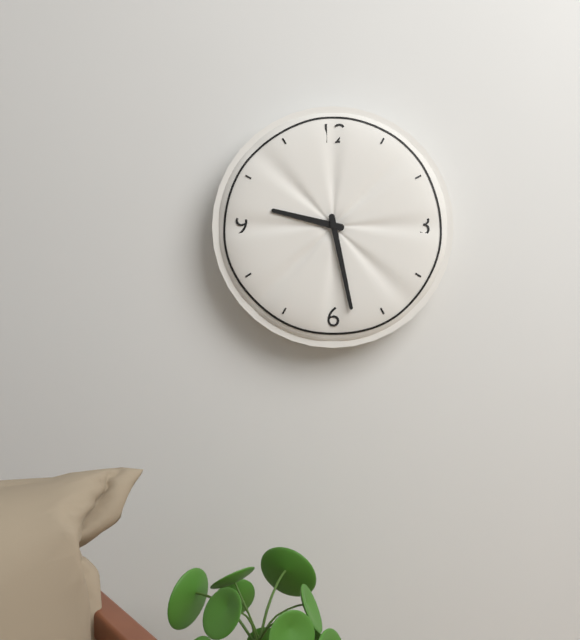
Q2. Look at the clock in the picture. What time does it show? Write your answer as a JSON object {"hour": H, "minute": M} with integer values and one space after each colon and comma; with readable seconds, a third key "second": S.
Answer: {"hour": 9, "minute": 28}
